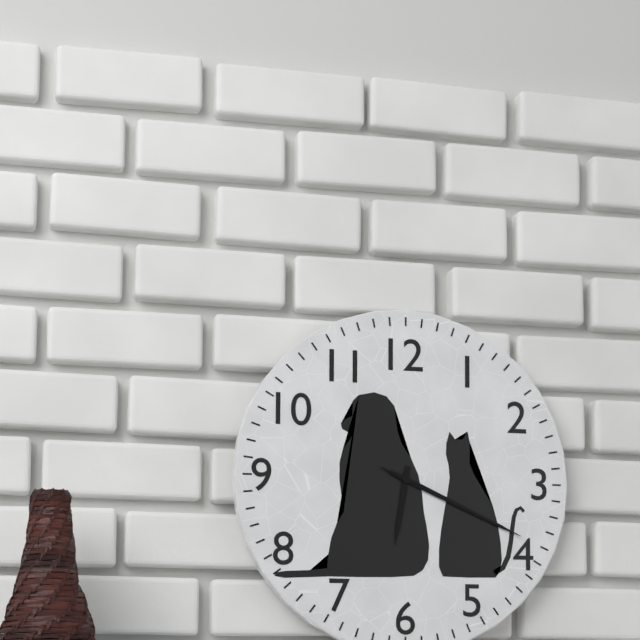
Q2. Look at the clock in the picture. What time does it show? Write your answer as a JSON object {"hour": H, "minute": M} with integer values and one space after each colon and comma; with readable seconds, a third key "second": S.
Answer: {"hour": 6, "minute": 19, "second": 19}
